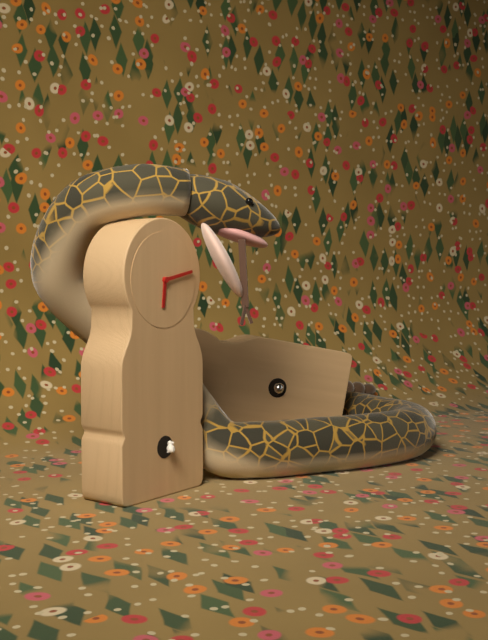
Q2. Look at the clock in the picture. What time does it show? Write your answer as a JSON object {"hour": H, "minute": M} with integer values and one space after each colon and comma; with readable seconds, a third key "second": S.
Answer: {"hour": 6, "minute": 13}
